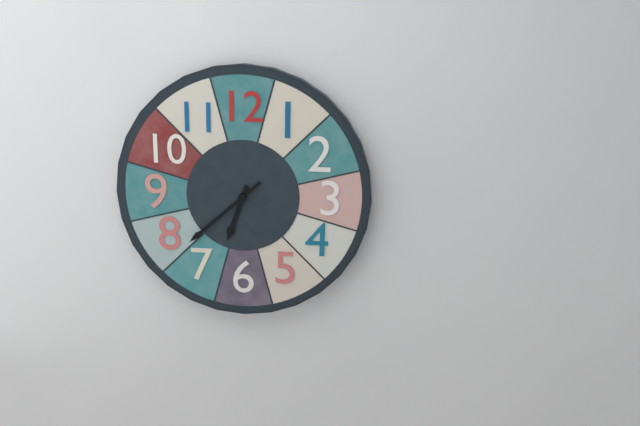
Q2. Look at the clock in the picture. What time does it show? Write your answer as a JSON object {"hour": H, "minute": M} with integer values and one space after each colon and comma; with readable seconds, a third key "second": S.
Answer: {"hour": 6, "minute": 38}
